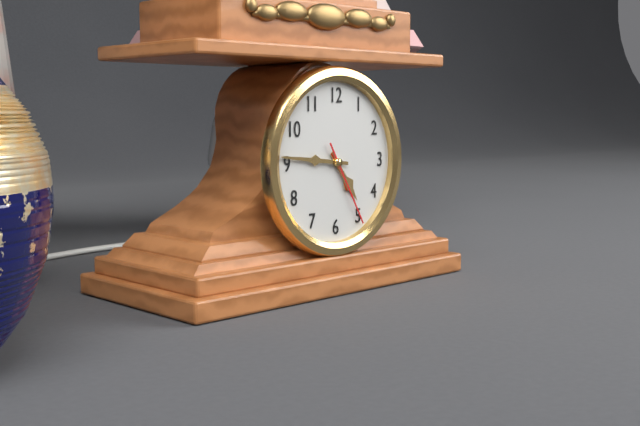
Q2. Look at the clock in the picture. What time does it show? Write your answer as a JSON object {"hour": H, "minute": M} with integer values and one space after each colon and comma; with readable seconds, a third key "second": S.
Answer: {"hour": 4, "minute": 46, "second": 25}
